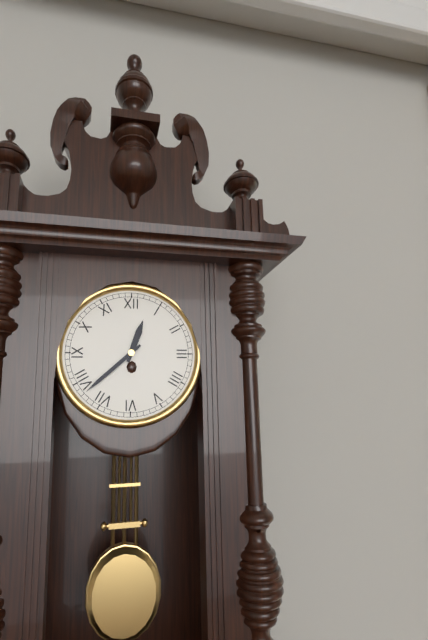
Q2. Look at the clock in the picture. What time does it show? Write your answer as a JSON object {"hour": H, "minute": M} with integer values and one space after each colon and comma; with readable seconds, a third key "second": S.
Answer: {"hour": 12, "minute": 38}
